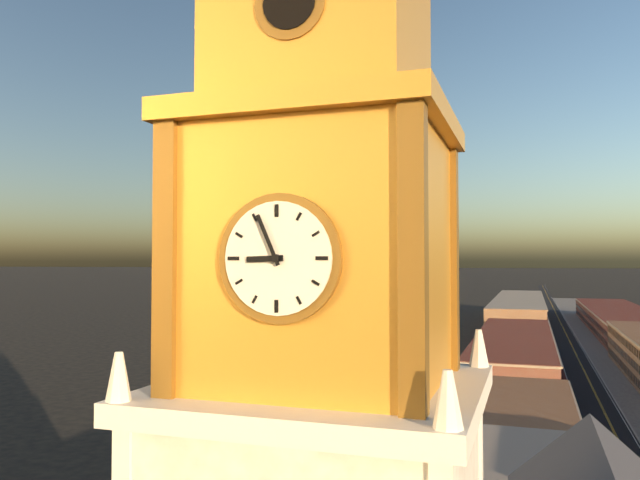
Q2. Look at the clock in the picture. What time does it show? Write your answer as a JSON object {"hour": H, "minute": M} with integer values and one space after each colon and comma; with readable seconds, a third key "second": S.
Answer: {"hour": 8, "minute": 56}
